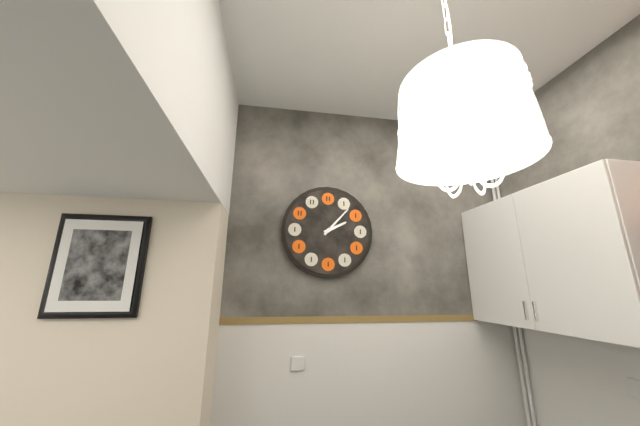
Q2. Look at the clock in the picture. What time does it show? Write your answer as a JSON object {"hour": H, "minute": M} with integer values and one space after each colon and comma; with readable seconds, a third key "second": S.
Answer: {"hour": 2, "minute": 7}
